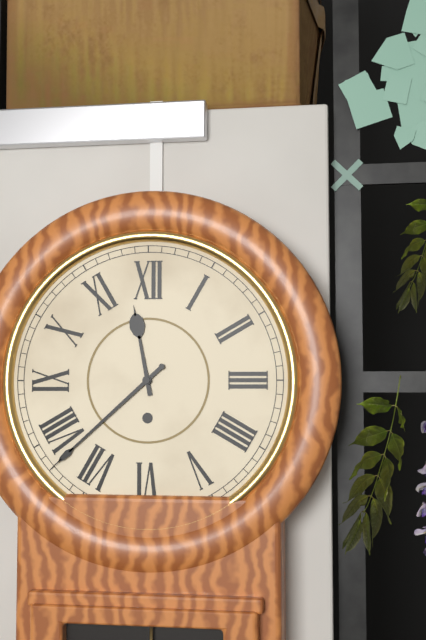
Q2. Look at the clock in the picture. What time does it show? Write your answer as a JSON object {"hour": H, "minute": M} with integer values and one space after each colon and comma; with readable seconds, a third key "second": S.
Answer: {"hour": 11, "minute": 38}
